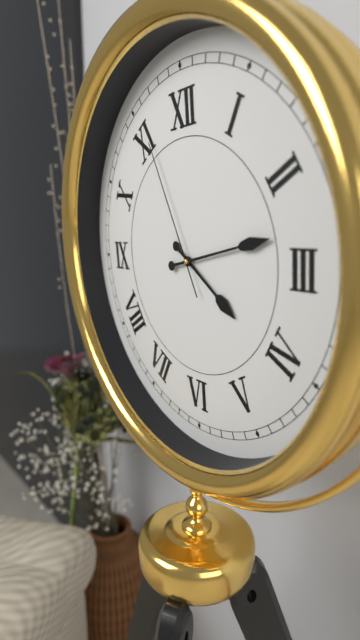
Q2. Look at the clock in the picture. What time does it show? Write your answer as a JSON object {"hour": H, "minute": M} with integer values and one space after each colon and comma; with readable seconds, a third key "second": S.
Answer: {"hour": 4, "minute": 13, "second": 56}
